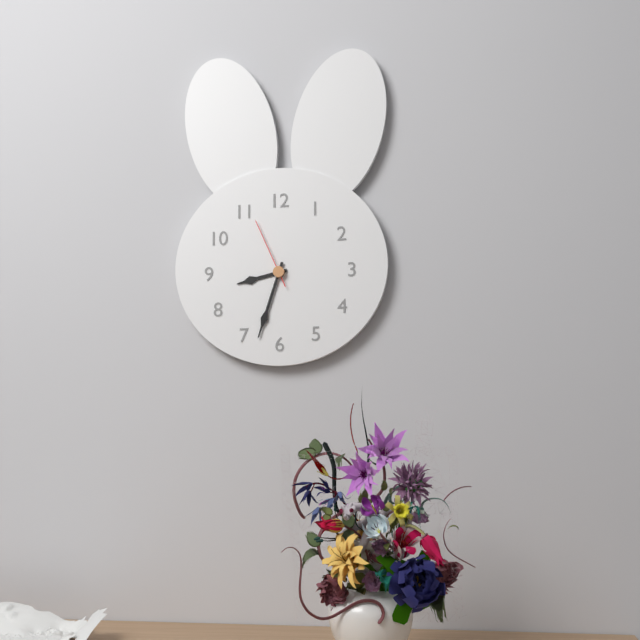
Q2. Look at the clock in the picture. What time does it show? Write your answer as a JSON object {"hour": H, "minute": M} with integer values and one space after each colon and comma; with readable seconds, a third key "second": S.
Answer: {"hour": 8, "minute": 33, "second": 56}
